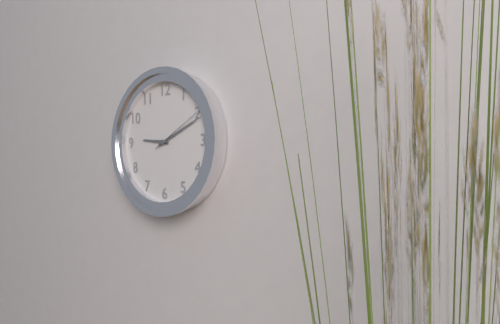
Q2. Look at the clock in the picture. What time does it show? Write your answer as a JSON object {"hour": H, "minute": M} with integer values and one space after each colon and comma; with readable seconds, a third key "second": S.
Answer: {"hour": 9, "minute": 11, "second": 10}
